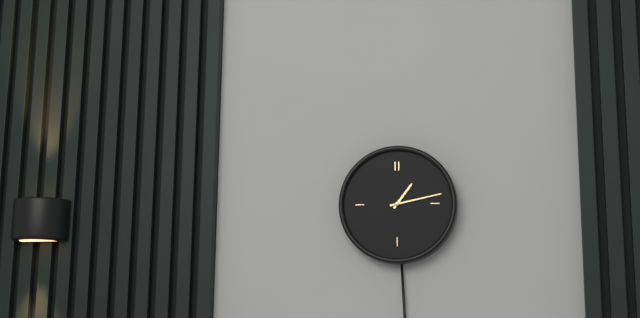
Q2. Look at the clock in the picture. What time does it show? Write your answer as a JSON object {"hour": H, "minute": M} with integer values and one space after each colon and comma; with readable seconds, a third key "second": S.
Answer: {"hour": 1, "minute": 13}
